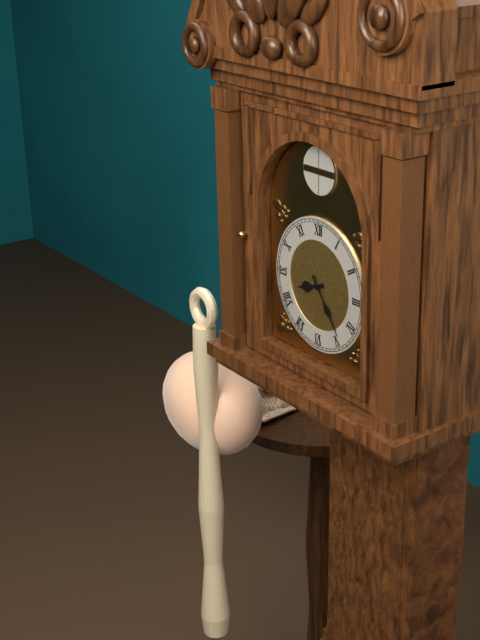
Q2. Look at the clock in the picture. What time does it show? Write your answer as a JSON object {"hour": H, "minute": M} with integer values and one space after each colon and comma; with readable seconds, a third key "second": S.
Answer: {"hour": 8, "minute": 24}
